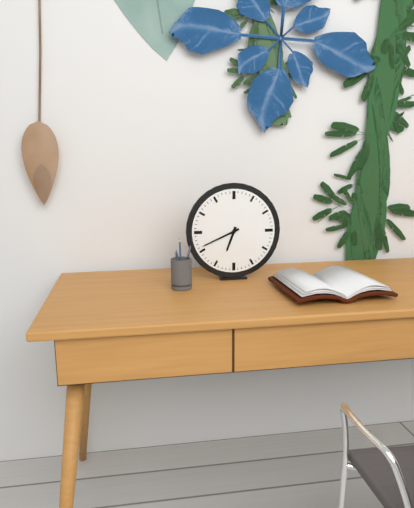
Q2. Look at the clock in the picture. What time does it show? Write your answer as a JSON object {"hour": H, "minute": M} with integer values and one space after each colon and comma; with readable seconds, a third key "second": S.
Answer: {"hour": 6, "minute": 41}
